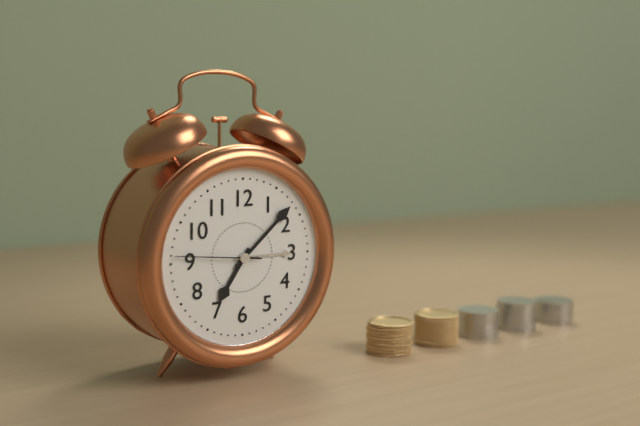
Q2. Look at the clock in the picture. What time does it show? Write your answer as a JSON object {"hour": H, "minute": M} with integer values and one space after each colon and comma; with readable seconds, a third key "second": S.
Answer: {"hour": 7, "minute": 8, "second": 46}
